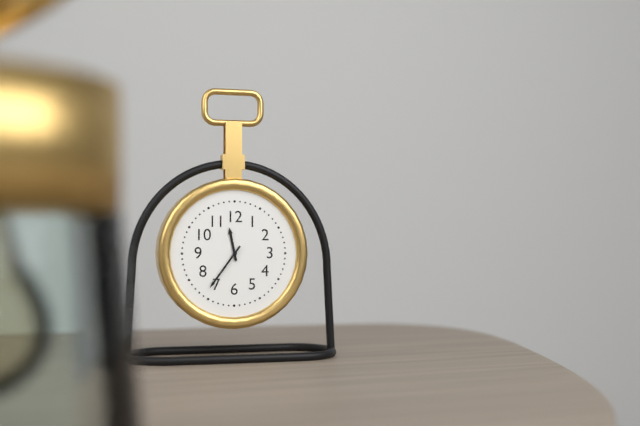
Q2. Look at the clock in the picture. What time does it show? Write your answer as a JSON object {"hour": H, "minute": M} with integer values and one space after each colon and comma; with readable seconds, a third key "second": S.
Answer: {"hour": 11, "minute": 36}
